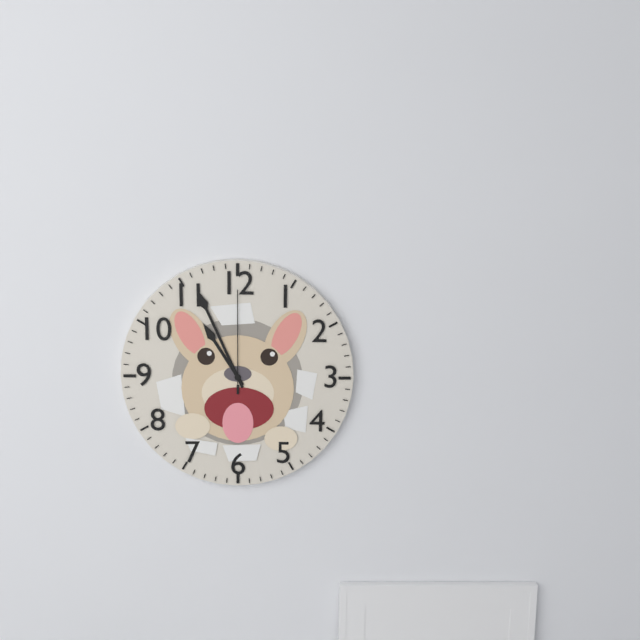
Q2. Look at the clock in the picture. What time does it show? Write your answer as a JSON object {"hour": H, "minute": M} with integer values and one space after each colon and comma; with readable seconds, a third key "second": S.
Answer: {"hour": 10, "minute": 56, "second": 0}
